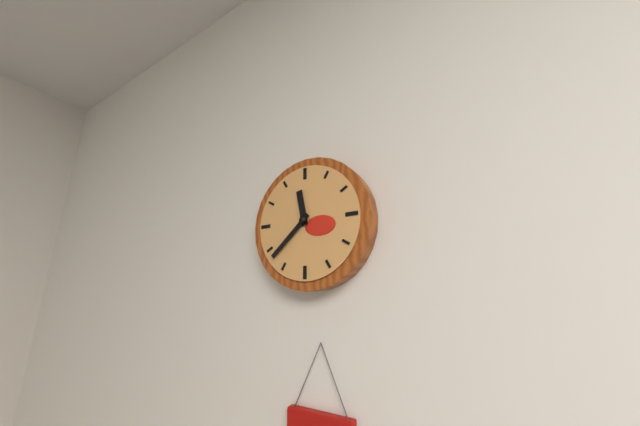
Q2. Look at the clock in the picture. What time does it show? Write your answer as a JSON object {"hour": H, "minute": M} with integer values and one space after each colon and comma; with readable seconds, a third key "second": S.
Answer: {"hour": 11, "minute": 38}
